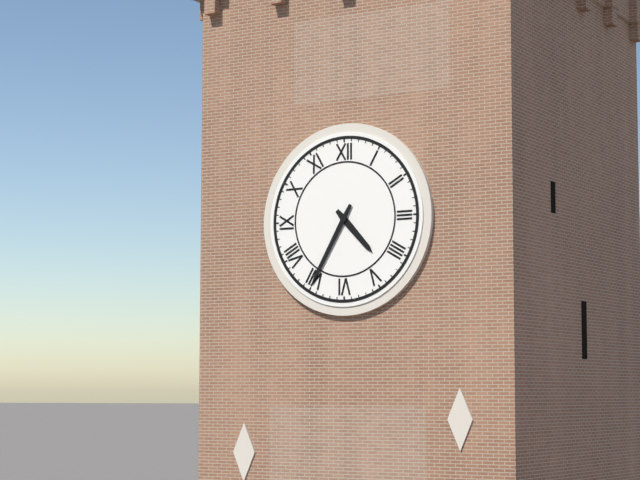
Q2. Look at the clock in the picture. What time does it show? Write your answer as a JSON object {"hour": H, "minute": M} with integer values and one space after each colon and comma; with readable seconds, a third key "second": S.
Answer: {"hour": 4, "minute": 35}
